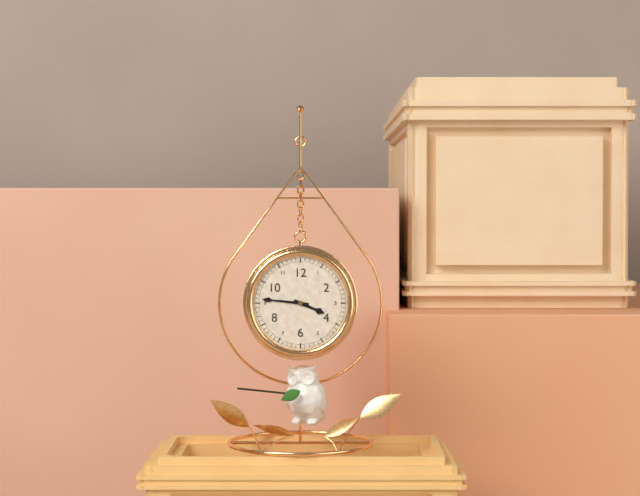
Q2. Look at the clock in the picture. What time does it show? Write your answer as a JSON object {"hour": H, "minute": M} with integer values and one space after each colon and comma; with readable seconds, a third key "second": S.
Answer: {"hour": 3, "minute": 46}
